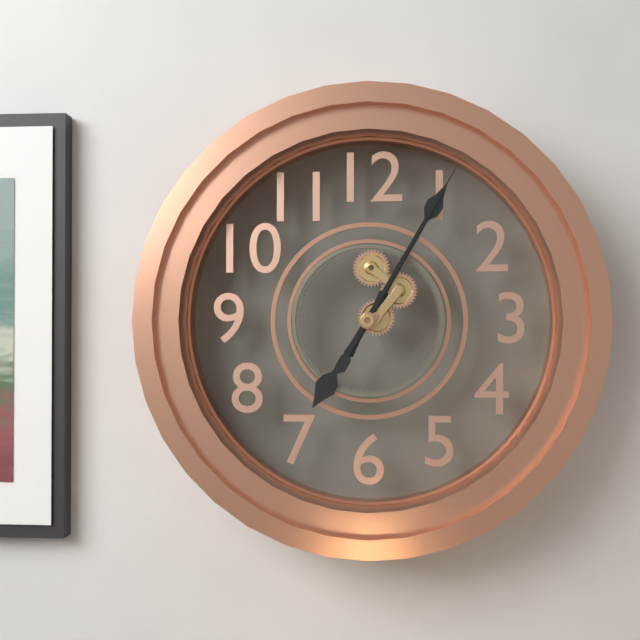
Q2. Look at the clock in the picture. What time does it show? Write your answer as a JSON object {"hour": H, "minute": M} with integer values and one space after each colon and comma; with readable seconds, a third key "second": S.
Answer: {"hour": 7, "minute": 5, "second": 5}
